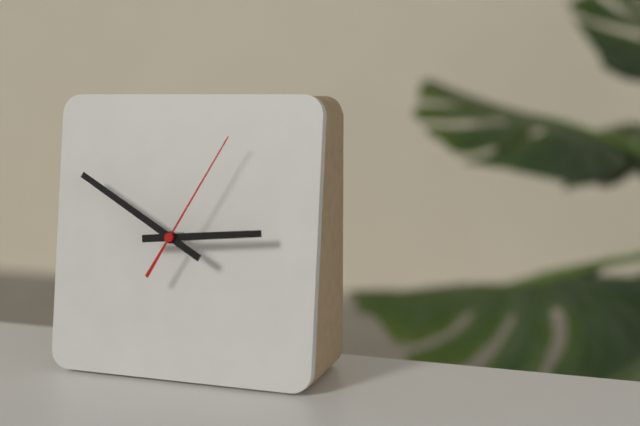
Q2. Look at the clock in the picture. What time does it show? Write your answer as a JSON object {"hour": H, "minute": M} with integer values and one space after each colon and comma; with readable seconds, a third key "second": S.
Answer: {"hour": 2, "minute": 50, "second": 5}
